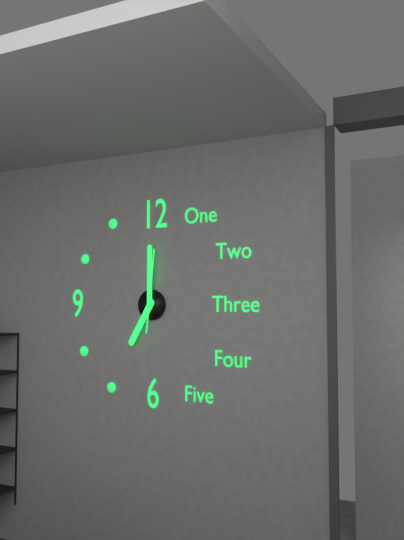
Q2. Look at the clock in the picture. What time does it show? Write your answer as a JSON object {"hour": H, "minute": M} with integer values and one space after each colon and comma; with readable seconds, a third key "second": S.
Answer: {"hour": 7, "minute": 0, "second": 1}
